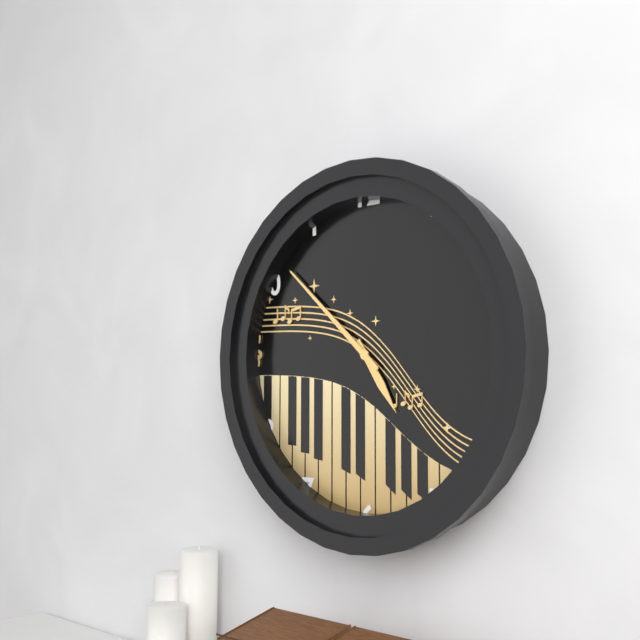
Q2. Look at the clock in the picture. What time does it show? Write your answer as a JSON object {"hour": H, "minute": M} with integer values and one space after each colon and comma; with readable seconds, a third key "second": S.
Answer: {"hour": 4, "minute": 52}
